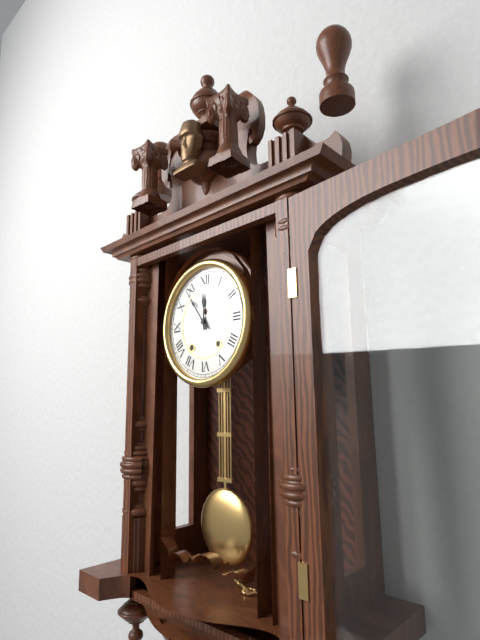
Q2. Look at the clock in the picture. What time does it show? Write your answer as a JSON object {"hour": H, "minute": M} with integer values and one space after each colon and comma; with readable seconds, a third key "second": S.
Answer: {"hour": 11, "minute": 54}
